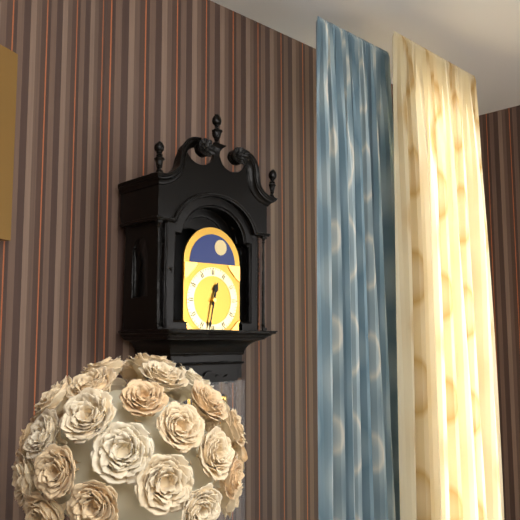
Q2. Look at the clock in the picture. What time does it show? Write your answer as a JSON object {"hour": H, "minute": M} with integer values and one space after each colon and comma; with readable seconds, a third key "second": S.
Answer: {"hour": 12, "minute": 32}
